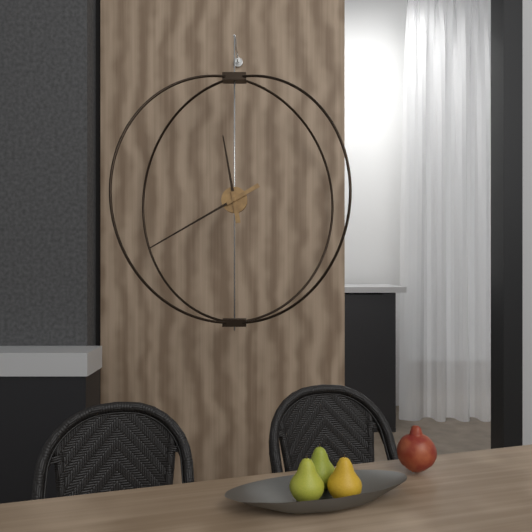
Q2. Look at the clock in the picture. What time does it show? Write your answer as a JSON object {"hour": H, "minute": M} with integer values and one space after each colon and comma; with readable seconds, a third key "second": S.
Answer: {"hour": 11, "minute": 40}
